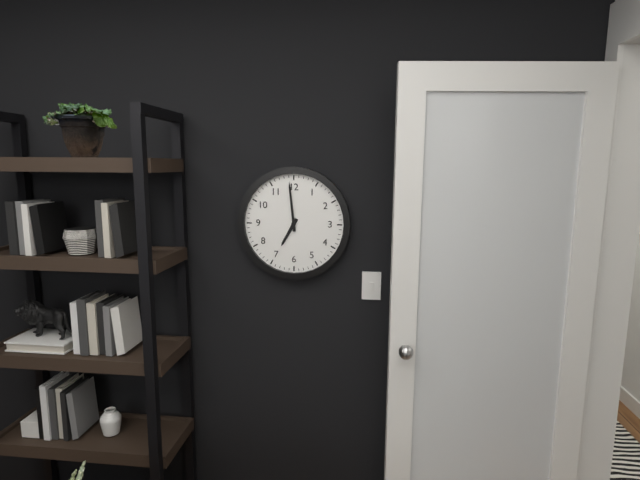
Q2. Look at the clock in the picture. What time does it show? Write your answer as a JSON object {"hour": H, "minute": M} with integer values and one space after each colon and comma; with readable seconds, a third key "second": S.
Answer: {"hour": 6, "minute": 59}
